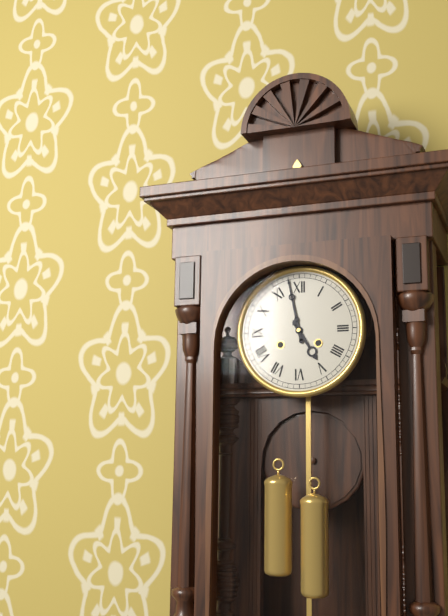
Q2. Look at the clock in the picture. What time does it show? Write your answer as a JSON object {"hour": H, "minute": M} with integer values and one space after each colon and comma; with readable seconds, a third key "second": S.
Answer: {"hour": 4, "minute": 58}
